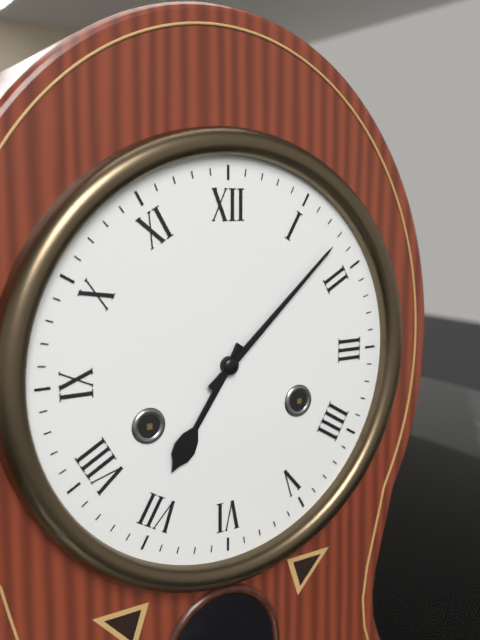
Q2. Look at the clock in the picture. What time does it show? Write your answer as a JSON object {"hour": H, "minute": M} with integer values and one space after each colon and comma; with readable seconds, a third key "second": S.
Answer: {"hour": 7, "minute": 8}
